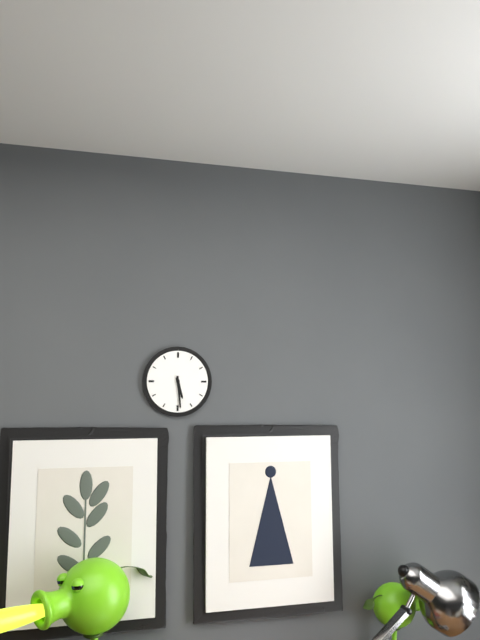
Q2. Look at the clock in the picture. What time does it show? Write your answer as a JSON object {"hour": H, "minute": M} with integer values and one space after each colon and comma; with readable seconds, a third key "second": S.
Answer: {"hour": 5, "minute": 29}
